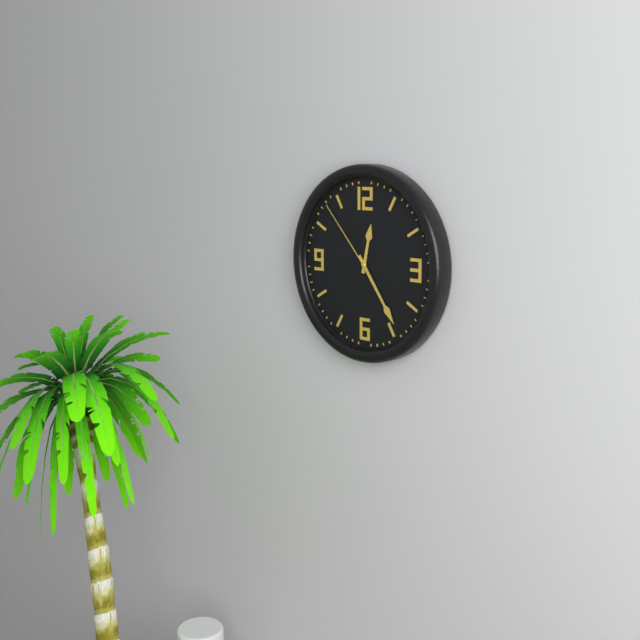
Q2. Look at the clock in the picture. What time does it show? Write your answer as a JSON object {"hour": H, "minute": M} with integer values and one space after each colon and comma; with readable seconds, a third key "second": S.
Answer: {"hour": 12, "minute": 24, "second": 53}
